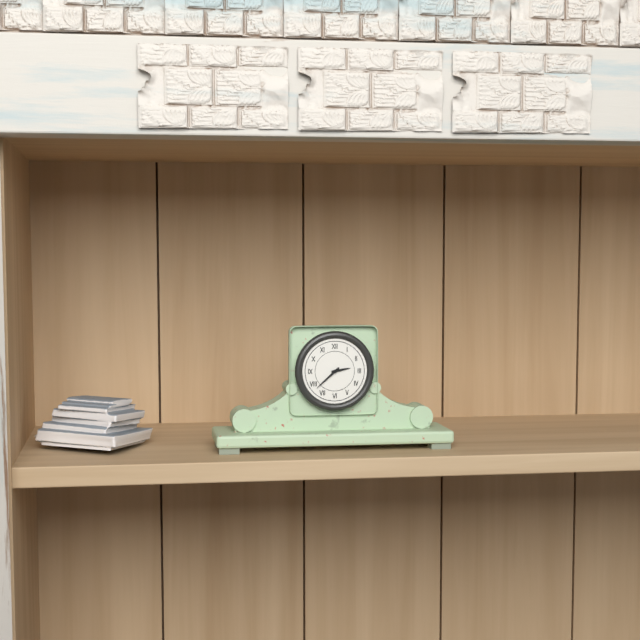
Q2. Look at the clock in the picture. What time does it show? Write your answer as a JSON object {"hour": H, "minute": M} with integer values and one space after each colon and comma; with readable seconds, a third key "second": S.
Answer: {"hour": 2, "minute": 38}
